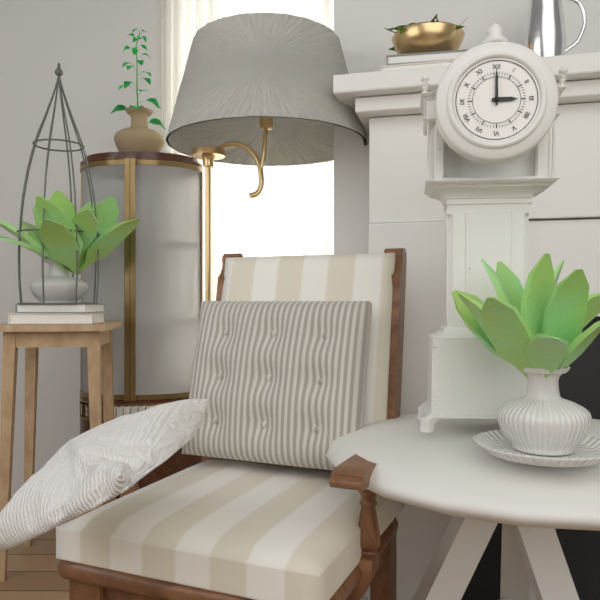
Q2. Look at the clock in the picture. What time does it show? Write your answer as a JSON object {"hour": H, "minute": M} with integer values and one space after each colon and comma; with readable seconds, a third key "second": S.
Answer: {"hour": 3, "minute": 0}
